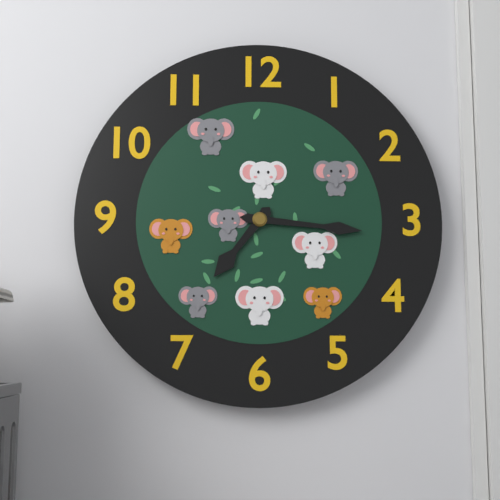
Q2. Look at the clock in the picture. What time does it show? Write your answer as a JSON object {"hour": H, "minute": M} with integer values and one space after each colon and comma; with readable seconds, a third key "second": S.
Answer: {"hour": 7, "minute": 16}
